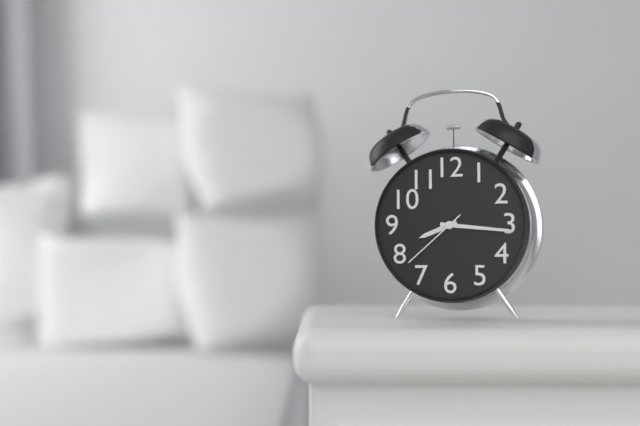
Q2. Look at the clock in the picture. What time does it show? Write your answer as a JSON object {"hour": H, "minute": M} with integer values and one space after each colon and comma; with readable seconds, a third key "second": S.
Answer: {"hour": 8, "minute": 16, "second": 38}
